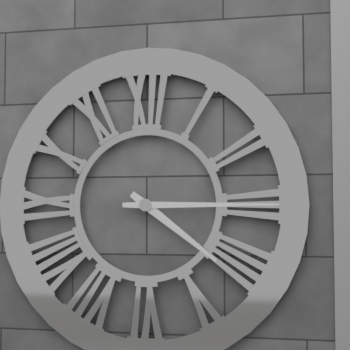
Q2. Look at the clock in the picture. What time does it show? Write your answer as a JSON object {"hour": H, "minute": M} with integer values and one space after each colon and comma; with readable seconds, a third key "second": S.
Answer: {"hour": 4, "minute": 15}
